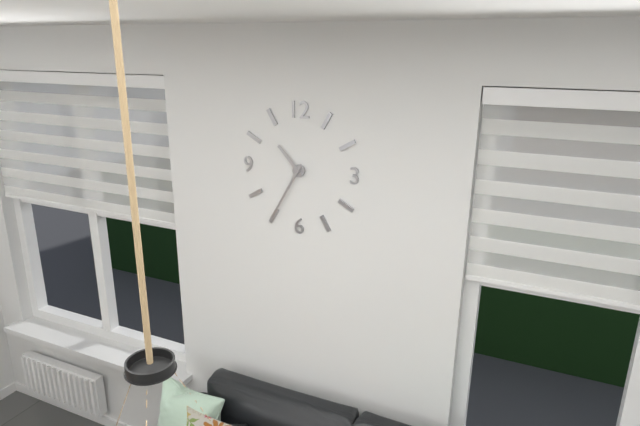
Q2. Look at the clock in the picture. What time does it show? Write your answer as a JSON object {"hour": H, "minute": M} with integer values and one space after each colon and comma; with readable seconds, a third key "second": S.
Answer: {"hour": 10, "minute": 35}
